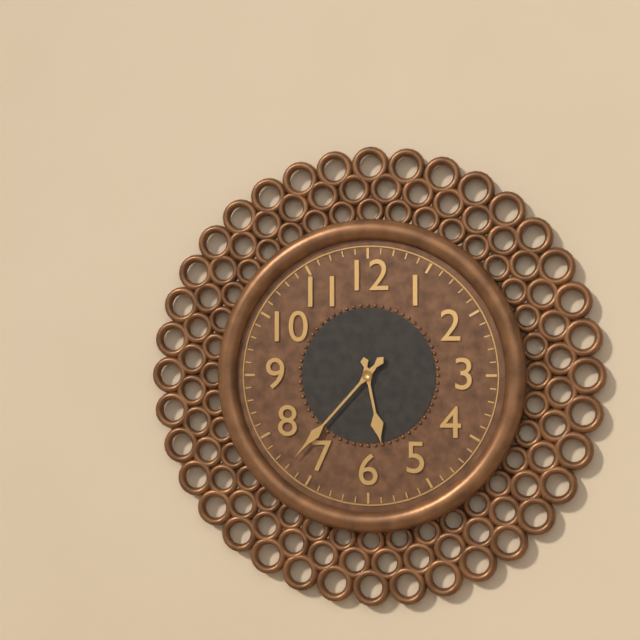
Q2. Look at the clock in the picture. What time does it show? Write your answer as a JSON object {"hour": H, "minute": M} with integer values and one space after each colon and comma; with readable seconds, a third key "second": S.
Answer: {"hour": 5, "minute": 37}
